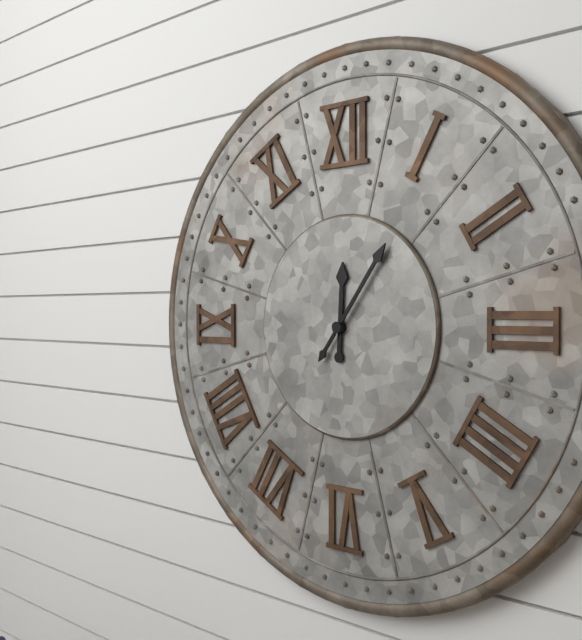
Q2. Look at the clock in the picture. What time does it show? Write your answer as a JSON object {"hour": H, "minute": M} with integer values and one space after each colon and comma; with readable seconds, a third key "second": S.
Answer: {"hour": 12, "minute": 6}
